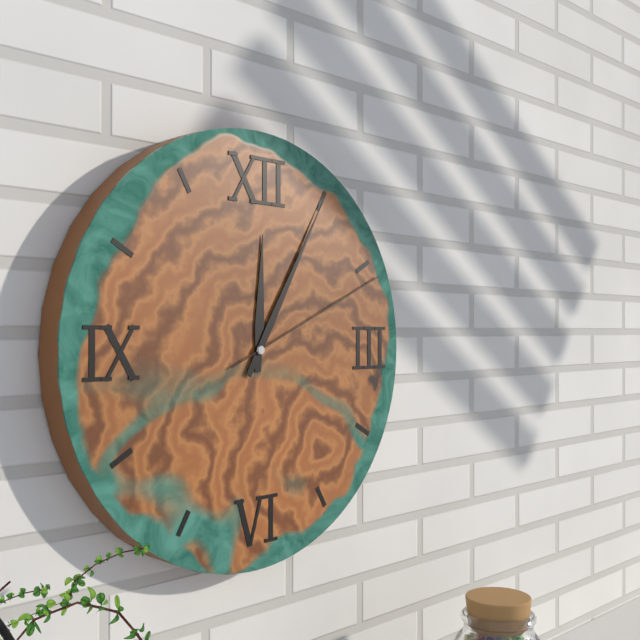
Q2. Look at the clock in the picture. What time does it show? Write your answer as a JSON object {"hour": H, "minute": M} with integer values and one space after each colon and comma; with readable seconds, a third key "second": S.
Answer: {"hour": 12, "minute": 5, "second": 11}
